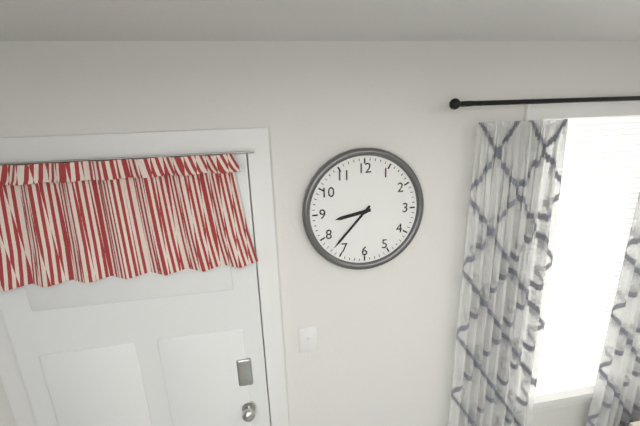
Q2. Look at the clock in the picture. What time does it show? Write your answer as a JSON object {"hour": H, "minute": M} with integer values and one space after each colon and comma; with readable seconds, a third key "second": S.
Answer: {"hour": 8, "minute": 37}
